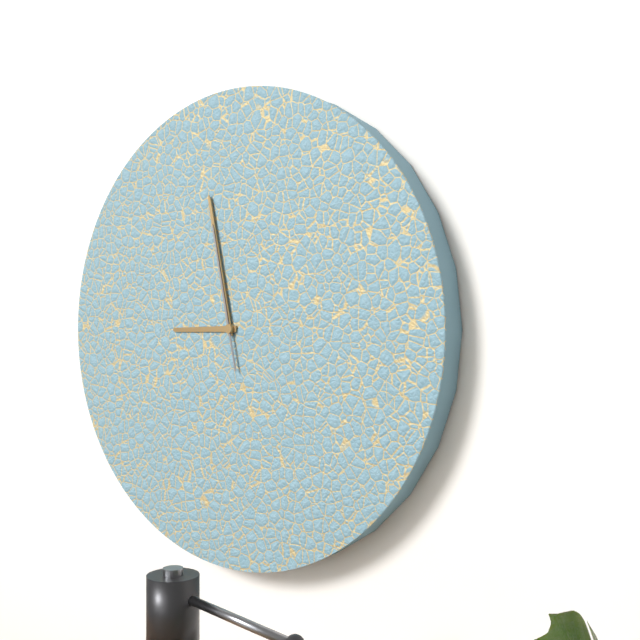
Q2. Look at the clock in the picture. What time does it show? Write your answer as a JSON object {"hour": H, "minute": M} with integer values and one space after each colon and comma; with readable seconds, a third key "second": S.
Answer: {"hour": 8, "minute": 58, "second": 58}
